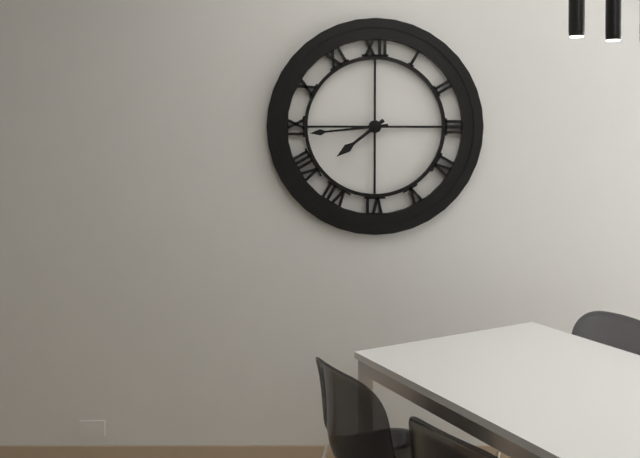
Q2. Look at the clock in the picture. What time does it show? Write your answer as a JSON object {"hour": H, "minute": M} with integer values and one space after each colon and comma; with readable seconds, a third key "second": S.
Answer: {"hour": 7, "minute": 44}
